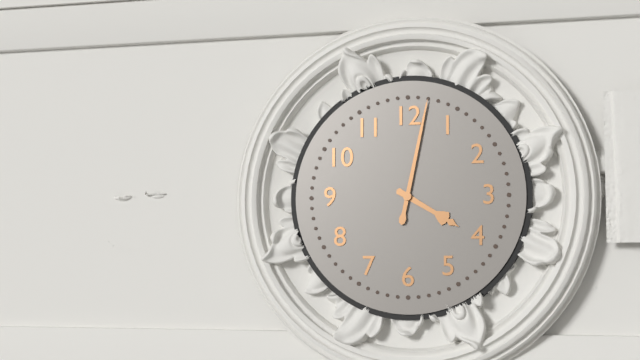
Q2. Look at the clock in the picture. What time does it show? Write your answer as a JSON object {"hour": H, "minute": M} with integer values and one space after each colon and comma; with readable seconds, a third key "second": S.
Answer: {"hour": 4, "minute": 2}
